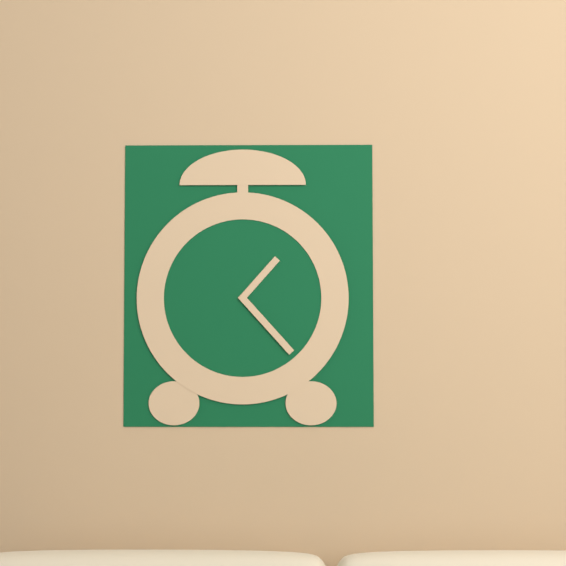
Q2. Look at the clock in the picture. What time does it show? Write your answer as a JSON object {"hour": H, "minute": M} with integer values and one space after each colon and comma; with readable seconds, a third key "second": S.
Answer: {"hour": 1, "minute": 23}
